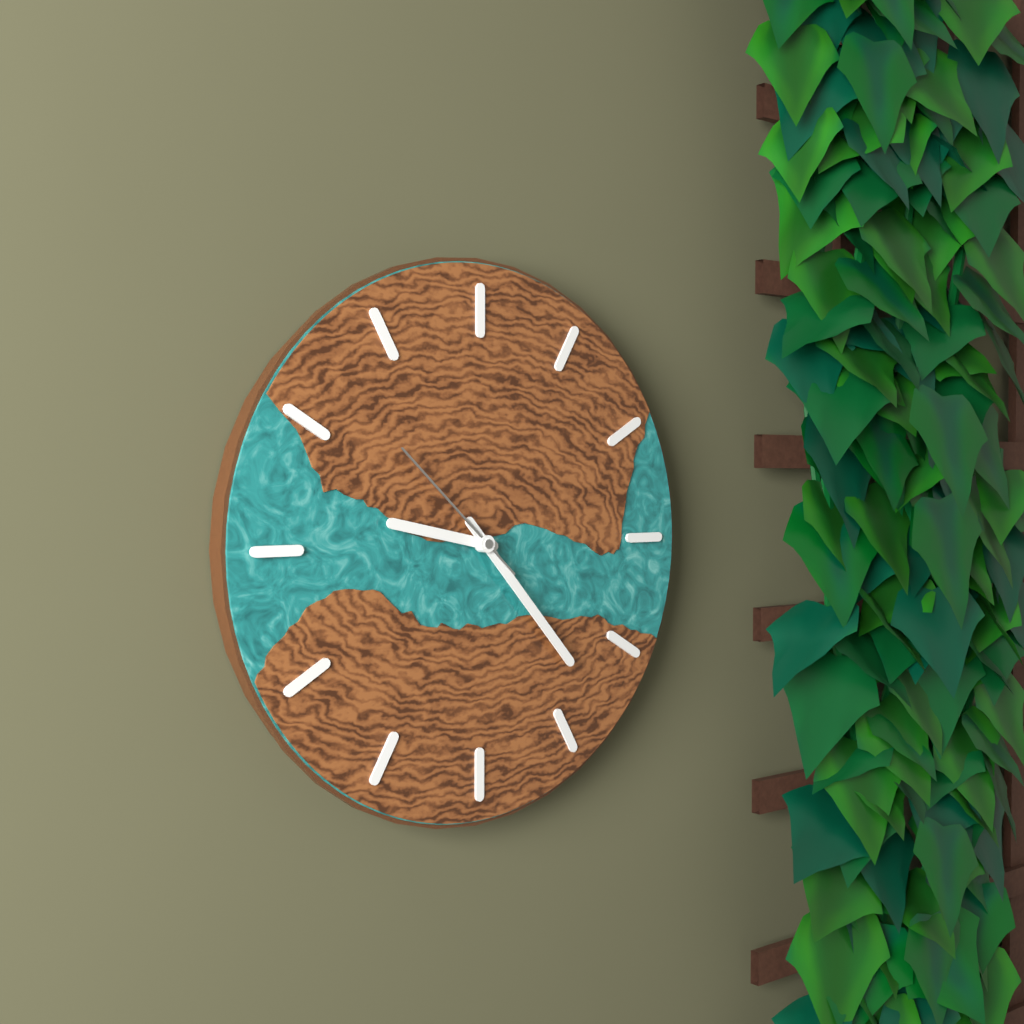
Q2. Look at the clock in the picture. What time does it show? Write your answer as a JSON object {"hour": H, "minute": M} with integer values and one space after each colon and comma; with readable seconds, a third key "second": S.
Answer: {"hour": 9, "minute": 23, "second": 52}
